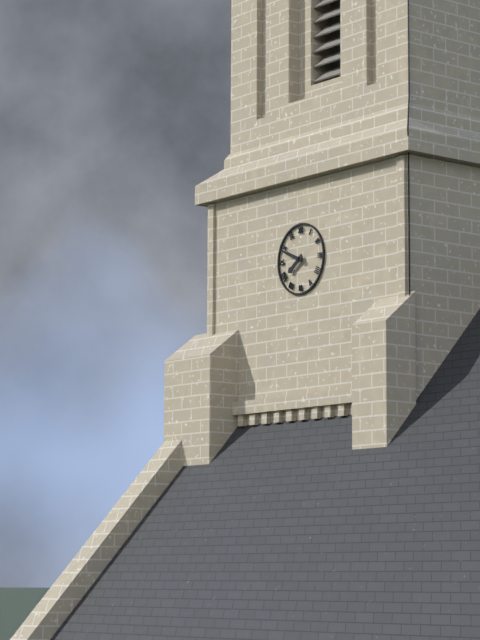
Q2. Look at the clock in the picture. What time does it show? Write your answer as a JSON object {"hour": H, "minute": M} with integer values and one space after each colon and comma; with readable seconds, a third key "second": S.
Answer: {"hour": 7, "minute": 49}
